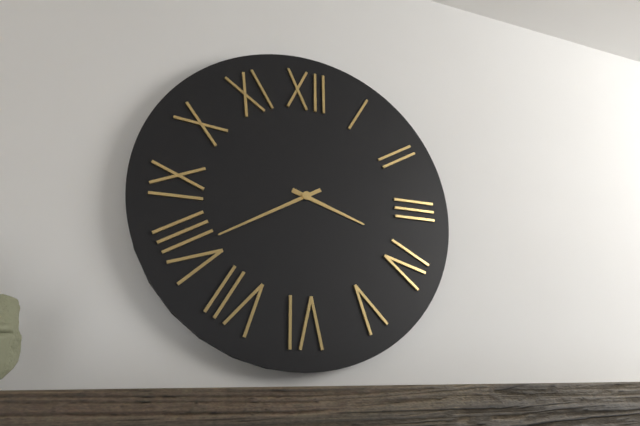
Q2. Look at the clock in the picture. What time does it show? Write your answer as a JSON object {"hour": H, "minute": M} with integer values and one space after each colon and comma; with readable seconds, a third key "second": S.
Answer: {"hour": 3, "minute": 40}
